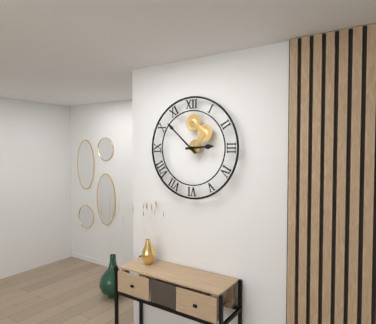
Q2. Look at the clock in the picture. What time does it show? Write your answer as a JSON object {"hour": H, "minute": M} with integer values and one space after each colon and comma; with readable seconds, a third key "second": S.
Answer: {"hour": 2, "minute": 52}
